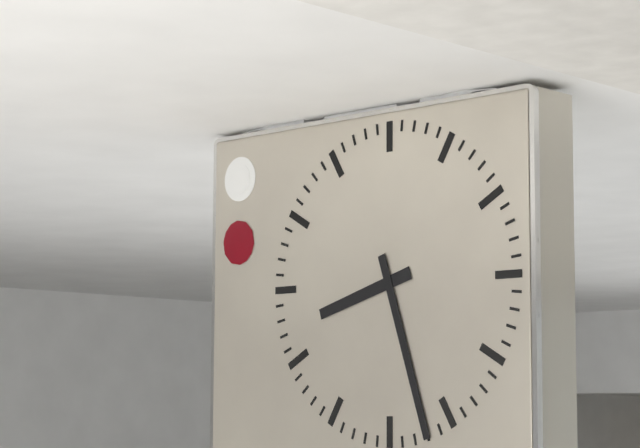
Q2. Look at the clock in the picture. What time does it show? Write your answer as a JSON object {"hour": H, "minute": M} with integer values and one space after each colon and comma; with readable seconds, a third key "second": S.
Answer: {"hour": 8, "minute": 27}
